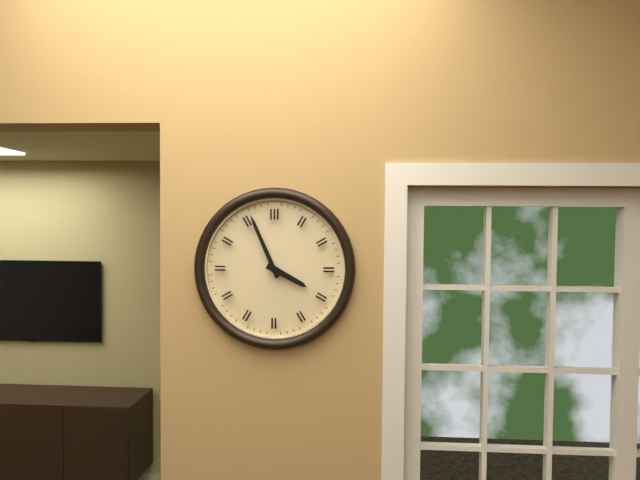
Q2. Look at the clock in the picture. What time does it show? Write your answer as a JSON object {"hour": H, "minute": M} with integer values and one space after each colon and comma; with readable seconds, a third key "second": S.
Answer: {"hour": 3, "minute": 56}
